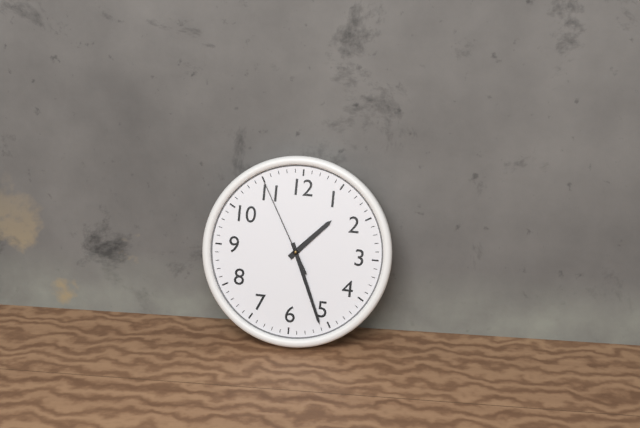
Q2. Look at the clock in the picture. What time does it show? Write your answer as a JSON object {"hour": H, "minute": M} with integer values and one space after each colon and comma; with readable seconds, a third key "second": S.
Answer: {"hour": 1, "minute": 26, "second": 55}
